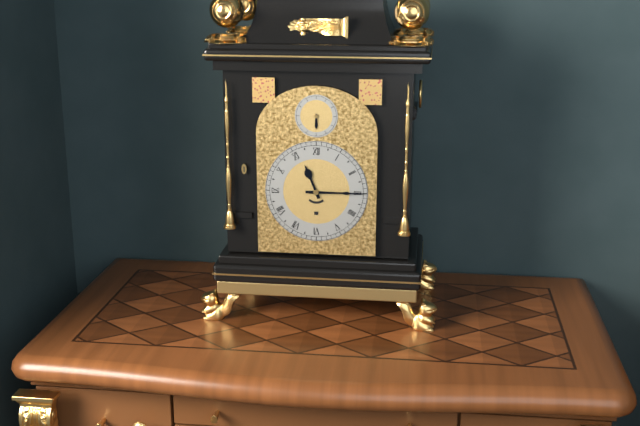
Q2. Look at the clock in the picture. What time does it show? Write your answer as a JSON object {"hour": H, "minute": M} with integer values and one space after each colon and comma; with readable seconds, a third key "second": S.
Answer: {"hour": 11, "minute": 15}
